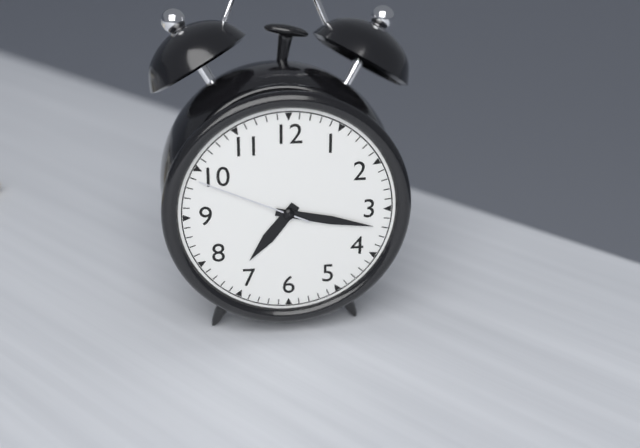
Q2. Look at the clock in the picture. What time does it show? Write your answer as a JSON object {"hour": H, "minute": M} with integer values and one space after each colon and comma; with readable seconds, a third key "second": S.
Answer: {"hour": 7, "minute": 17, "second": 49}
